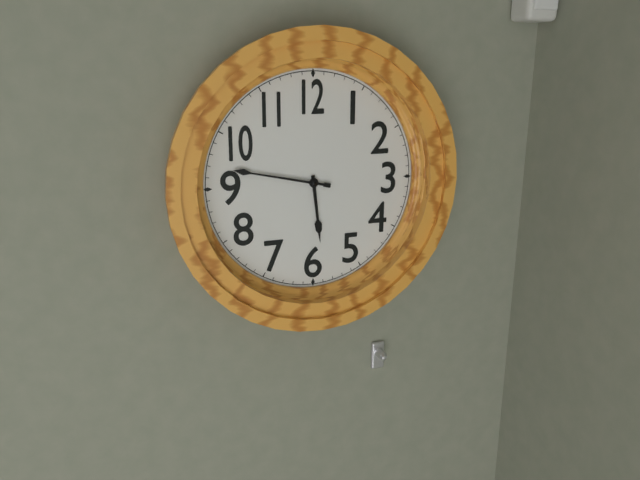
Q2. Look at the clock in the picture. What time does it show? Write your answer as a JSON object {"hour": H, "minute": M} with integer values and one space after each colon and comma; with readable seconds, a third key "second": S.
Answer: {"hour": 5, "minute": 47}
